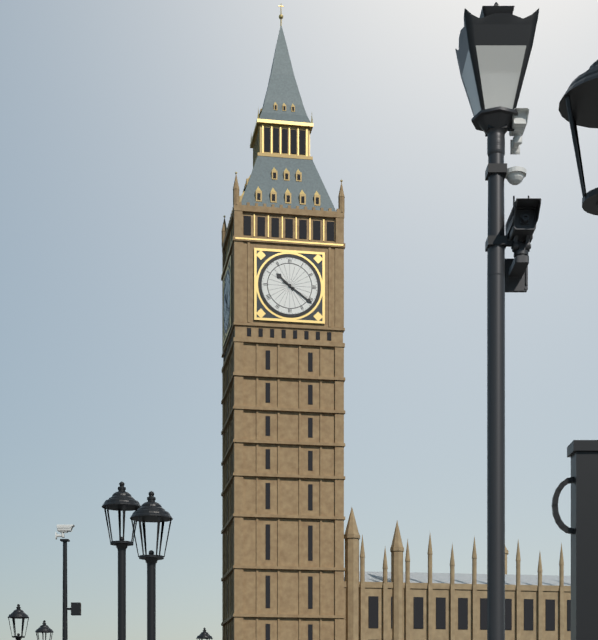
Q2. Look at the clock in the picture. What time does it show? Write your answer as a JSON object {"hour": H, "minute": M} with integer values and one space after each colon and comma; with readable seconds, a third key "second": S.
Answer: {"hour": 10, "minute": 21}
